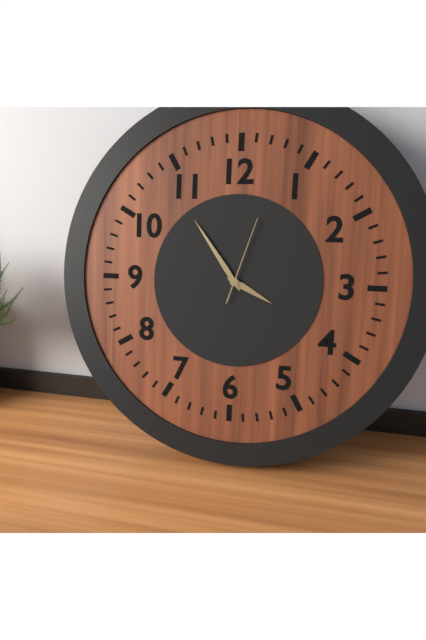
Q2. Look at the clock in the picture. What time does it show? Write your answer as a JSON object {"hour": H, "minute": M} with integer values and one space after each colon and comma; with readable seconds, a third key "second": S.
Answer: {"hour": 3, "minute": 54, "second": 3}
